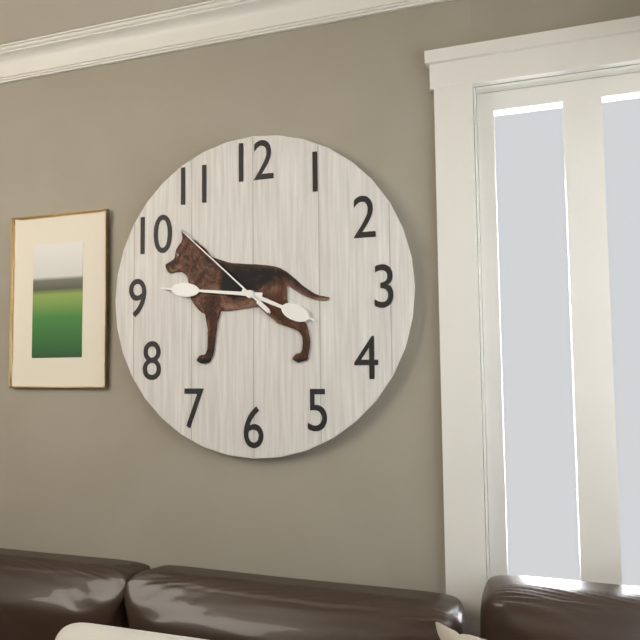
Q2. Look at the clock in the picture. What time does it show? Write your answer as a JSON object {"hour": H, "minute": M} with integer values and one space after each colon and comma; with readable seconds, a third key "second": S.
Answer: {"hour": 3, "minute": 46, "second": 52}
